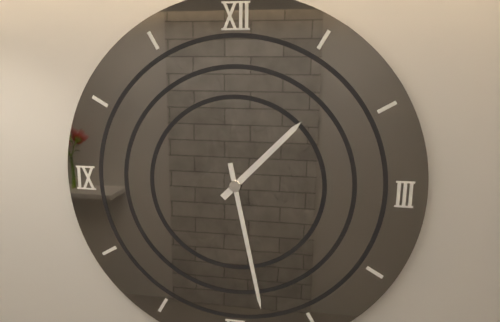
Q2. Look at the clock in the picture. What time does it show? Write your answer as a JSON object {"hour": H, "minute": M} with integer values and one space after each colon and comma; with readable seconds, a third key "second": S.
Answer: {"hour": 1, "minute": 28}
